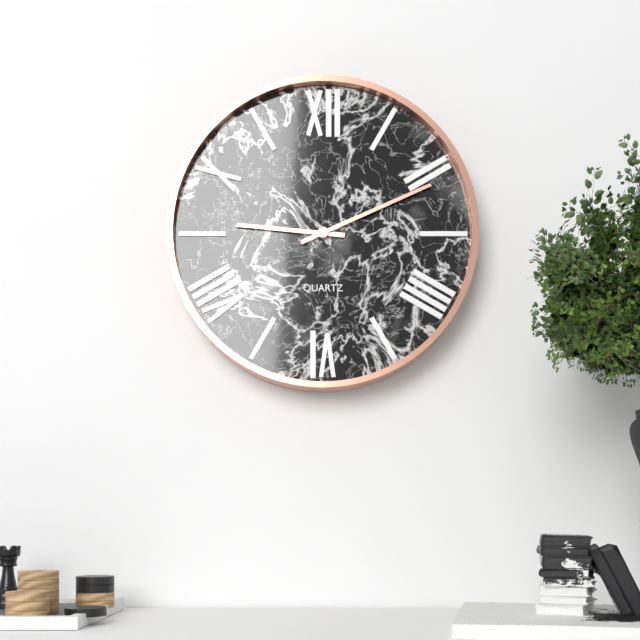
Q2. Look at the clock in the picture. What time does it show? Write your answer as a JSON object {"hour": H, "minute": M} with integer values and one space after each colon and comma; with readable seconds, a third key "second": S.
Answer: {"hour": 9, "minute": 11}
